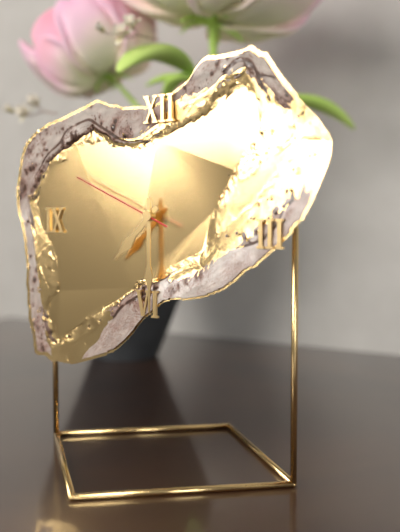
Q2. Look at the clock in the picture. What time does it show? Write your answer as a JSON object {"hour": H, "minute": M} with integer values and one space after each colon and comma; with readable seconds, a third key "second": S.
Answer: {"hour": 7, "minute": 30, "second": 49}
